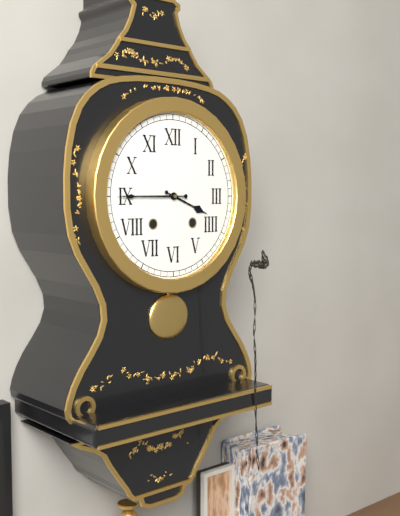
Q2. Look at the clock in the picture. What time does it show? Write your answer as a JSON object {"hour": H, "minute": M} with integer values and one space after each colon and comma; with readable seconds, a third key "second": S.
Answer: {"hour": 3, "minute": 45}
